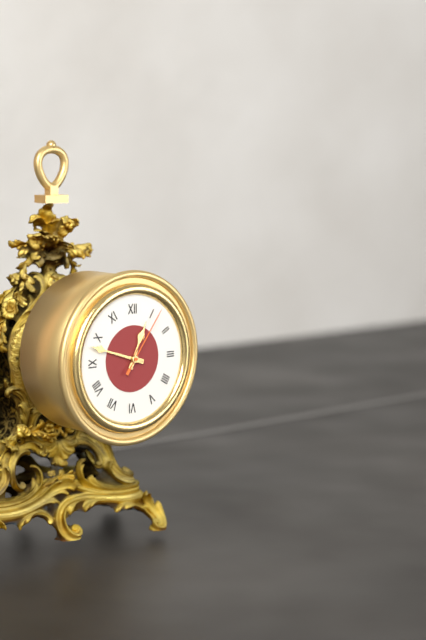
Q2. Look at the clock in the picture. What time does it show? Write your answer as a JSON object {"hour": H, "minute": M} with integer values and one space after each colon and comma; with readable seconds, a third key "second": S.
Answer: {"hour": 12, "minute": 48, "second": 6}
